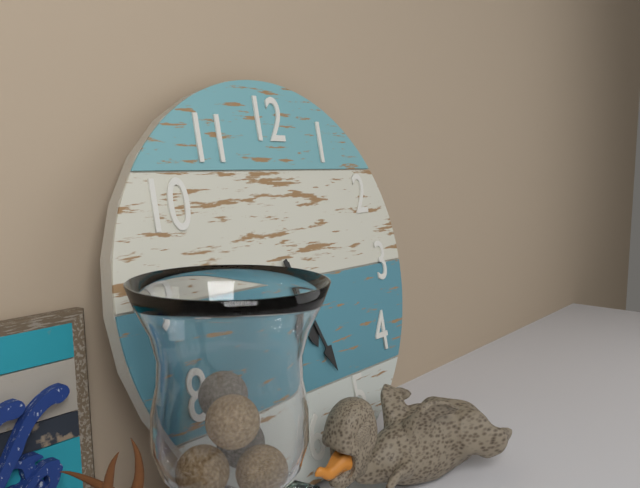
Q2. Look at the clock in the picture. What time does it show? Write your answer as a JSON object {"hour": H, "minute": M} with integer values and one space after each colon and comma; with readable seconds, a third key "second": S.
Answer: {"hour": 5, "minute": 26}
